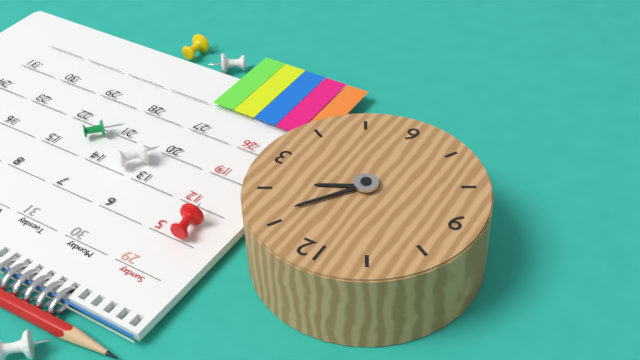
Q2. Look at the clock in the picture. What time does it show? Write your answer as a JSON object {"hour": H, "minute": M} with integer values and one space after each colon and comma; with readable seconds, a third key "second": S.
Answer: {"hour": 2, "minute": 6}
